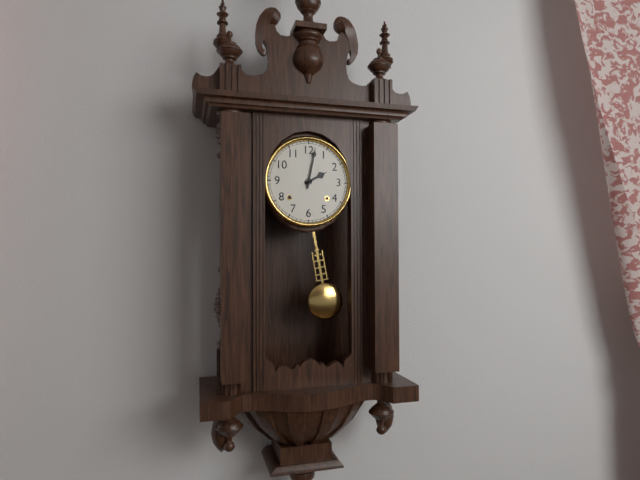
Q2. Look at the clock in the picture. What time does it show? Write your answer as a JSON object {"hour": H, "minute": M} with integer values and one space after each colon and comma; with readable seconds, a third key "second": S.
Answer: {"hour": 2, "minute": 2}
